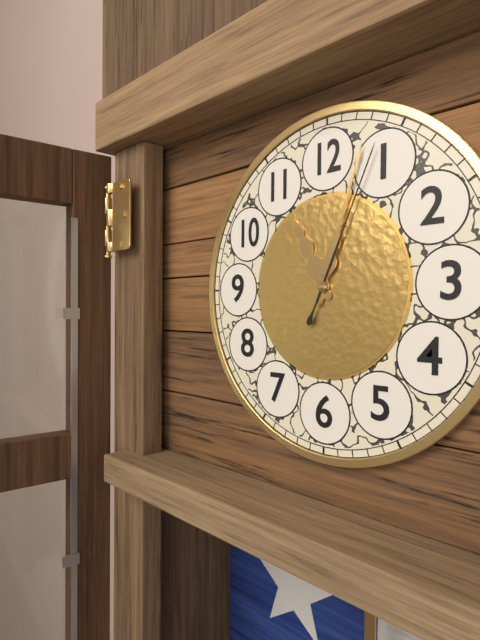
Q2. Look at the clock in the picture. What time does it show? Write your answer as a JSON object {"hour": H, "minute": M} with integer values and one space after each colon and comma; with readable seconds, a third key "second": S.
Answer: {"hour": 11, "minute": 3, "second": 4}
